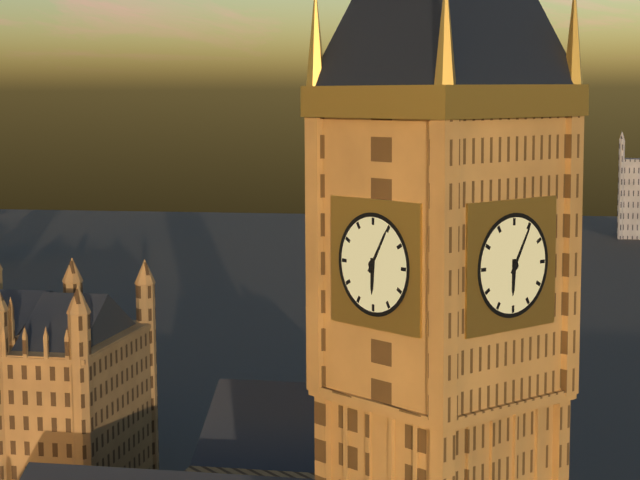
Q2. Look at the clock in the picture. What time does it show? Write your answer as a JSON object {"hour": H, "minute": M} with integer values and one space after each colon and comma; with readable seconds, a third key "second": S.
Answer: {"hour": 6, "minute": 5}
